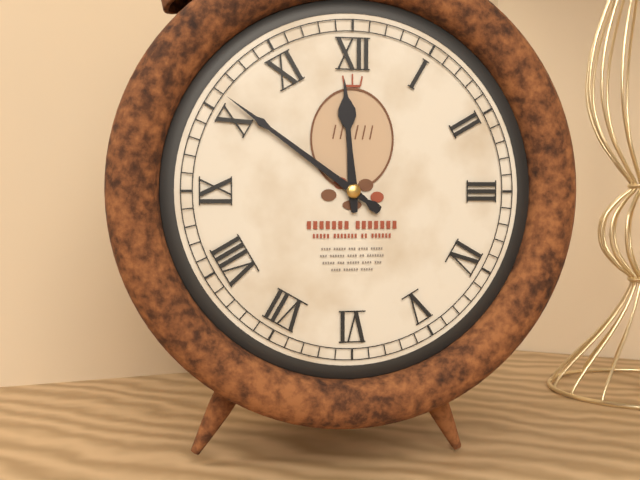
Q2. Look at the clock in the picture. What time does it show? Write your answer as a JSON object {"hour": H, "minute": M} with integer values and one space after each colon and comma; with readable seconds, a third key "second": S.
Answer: {"hour": 11, "minute": 51}
